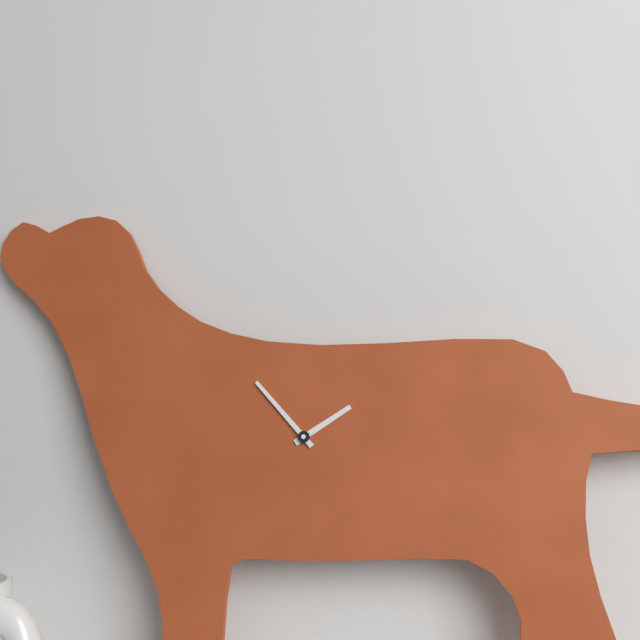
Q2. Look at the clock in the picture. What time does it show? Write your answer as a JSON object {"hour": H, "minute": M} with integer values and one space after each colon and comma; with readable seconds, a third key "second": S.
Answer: {"hour": 1, "minute": 53}
